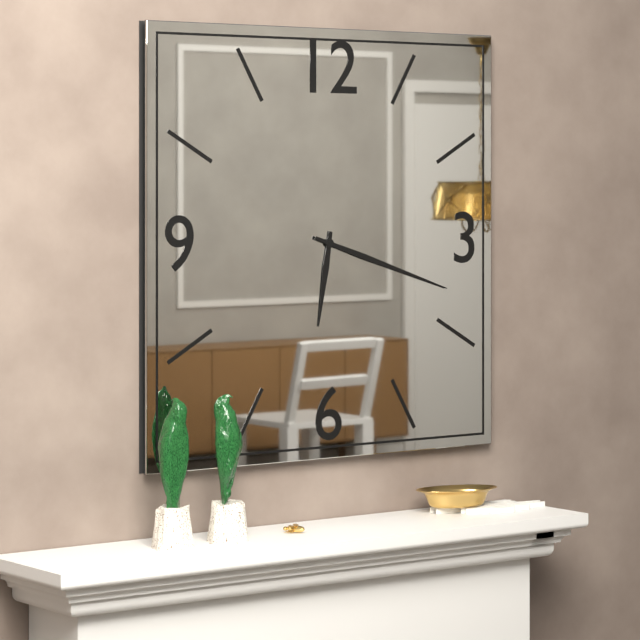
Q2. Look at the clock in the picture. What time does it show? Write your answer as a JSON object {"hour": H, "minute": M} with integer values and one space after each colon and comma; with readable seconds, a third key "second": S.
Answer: {"hour": 6, "minute": 18}
